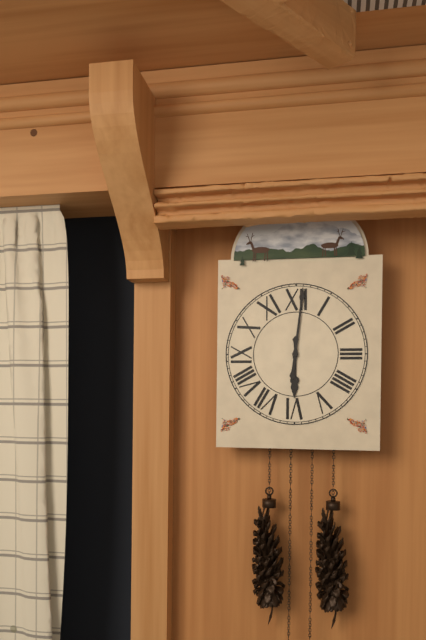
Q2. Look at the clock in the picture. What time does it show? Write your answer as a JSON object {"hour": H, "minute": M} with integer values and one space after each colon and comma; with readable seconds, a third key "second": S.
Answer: {"hour": 6, "minute": 1}
